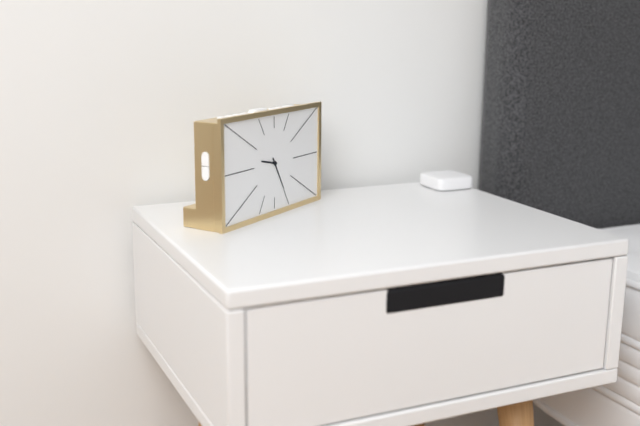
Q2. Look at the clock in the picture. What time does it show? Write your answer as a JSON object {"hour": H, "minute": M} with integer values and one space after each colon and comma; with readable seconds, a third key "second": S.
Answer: {"hour": 9, "minute": 25}
